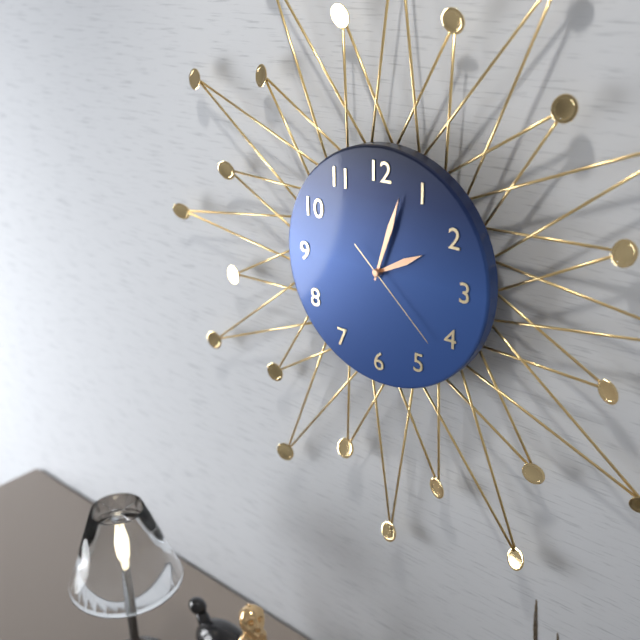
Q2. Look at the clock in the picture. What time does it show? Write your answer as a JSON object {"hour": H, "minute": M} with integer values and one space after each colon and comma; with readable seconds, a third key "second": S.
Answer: {"hour": 2, "minute": 3, "second": 22}
